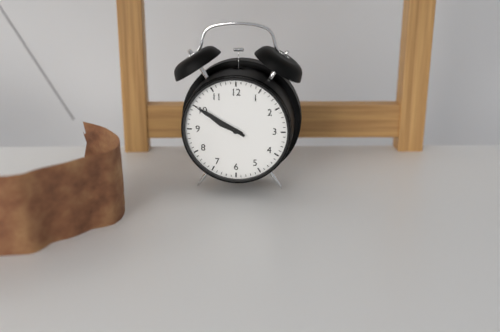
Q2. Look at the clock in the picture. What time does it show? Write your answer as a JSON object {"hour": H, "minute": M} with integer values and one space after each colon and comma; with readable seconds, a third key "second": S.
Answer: {"hour": 9, "minute": 50}
